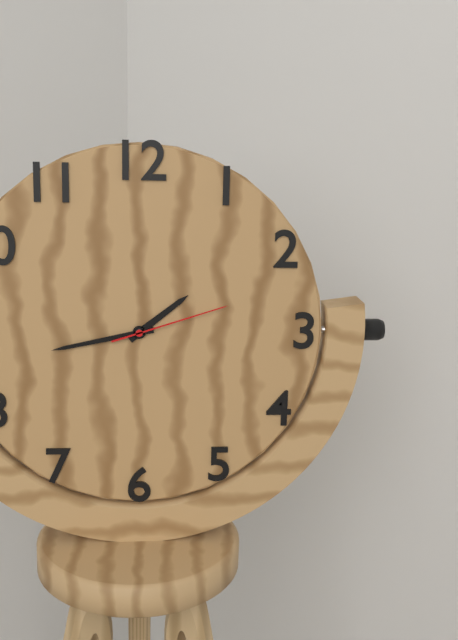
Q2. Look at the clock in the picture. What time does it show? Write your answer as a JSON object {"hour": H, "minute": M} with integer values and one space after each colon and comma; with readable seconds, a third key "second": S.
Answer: {"hour": 1, "minute": 43, "second": 12}
